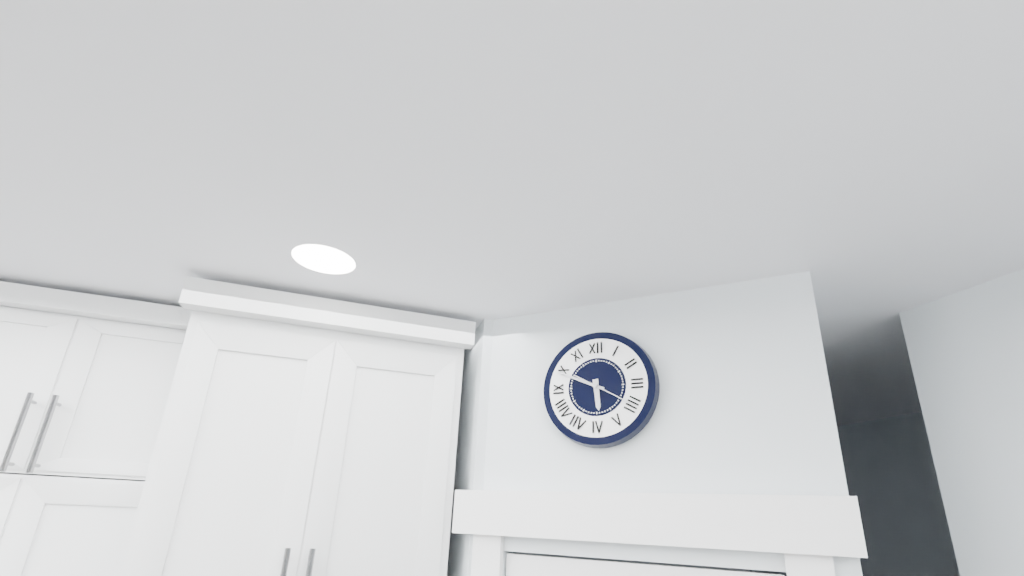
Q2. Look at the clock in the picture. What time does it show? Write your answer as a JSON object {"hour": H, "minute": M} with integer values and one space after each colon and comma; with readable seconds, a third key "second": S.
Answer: {"hour": 5, "minute": 49, "second": 20}
